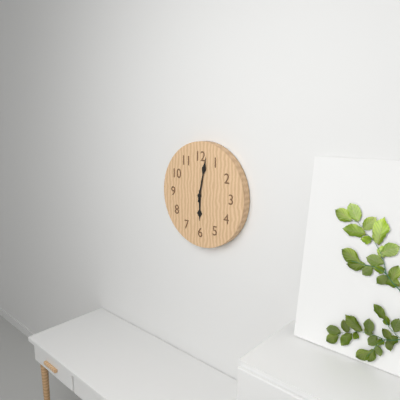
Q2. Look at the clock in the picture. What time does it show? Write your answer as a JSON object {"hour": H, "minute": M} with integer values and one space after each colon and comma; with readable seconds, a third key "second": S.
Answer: {"hour": 6, "minute": 2}
